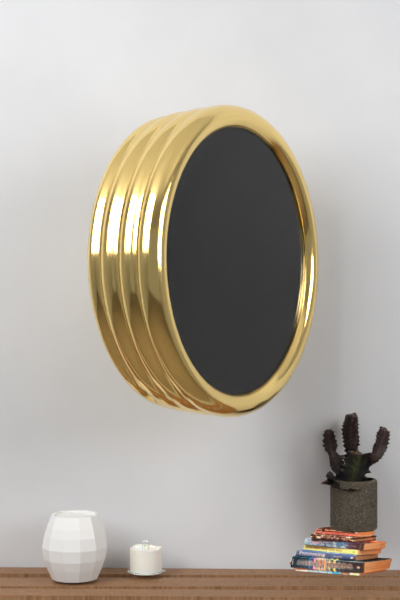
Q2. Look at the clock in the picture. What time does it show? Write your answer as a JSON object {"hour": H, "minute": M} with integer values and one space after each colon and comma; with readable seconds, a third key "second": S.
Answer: {"hour": 7, "minute": 57, "second": 42}
